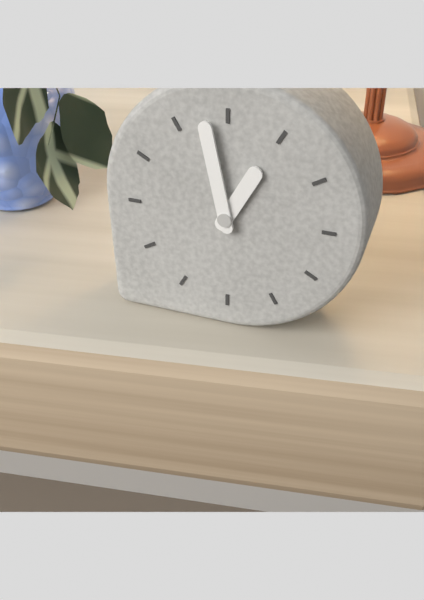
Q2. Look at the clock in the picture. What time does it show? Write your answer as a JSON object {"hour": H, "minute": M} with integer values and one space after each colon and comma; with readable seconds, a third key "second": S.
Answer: {"hour": 12, "minute": 58}
